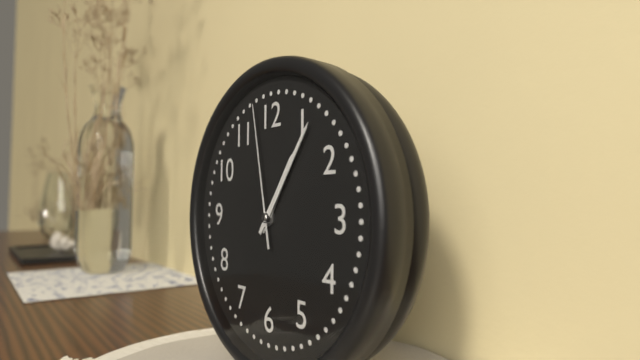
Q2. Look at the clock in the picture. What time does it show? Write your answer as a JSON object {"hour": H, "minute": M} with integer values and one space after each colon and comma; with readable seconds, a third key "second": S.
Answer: {"hour": 1, "minute": 6, "second": 58}
